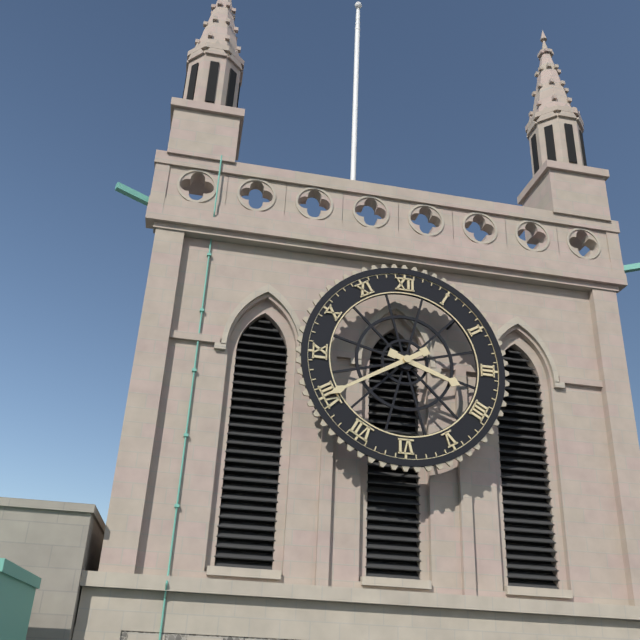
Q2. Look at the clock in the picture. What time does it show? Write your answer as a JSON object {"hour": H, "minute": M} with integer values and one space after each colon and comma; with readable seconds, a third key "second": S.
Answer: {"hour": 3, "minute": 40}
